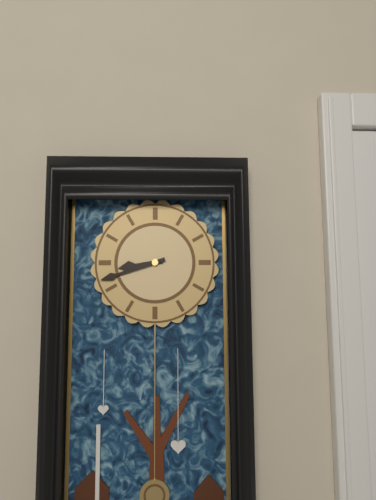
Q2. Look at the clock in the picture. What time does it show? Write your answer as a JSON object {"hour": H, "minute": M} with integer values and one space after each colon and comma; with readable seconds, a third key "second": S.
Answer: {"hour": 8, "minute": 42}
